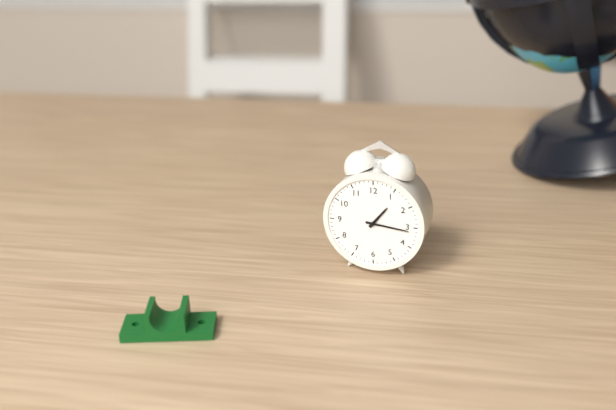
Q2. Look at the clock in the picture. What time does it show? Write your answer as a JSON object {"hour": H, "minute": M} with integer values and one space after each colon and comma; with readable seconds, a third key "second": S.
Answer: {"hour": 1, "minute": 16}
